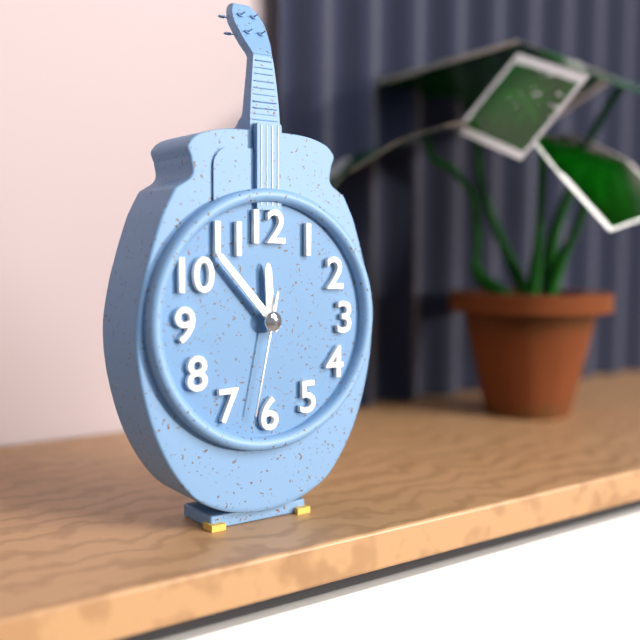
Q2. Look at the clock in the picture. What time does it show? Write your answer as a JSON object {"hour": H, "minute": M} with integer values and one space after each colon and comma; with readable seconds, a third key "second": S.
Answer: {"hour": 11, "minute": 53, "second": 32}
